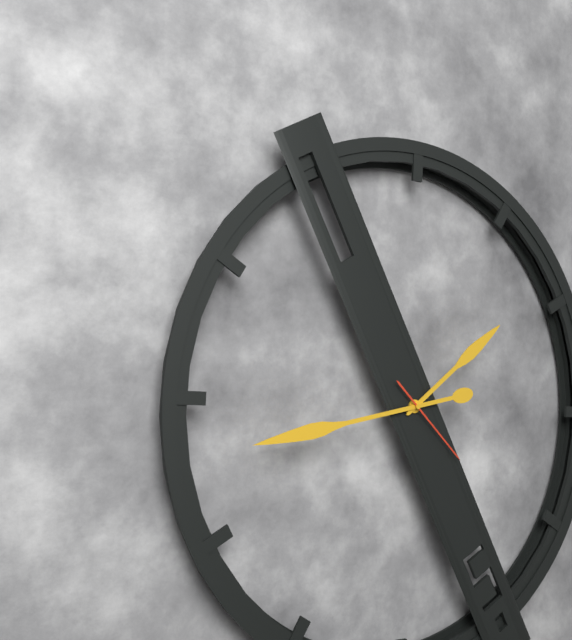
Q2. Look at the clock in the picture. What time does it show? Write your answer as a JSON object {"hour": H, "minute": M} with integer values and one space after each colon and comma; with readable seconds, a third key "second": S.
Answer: {"hour": 1, "minute": 43, "second": 22}
